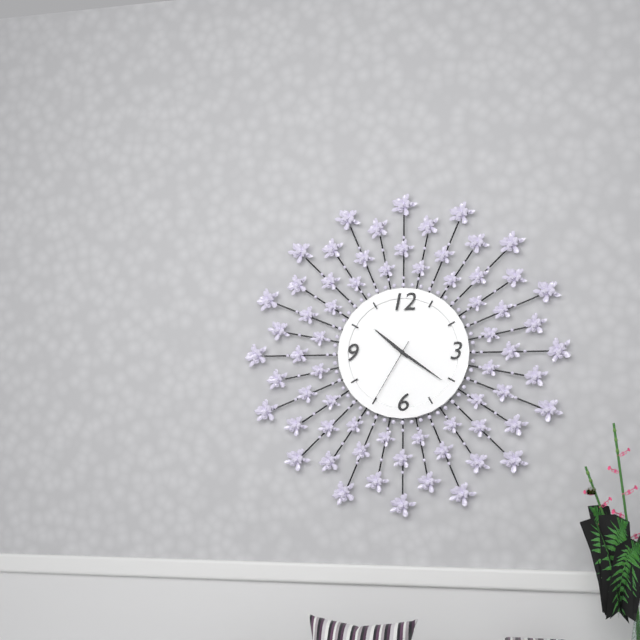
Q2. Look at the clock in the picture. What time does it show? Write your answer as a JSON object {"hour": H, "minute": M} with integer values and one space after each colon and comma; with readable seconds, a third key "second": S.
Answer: {"hour": 10, "minute": 21, "second": 35}
